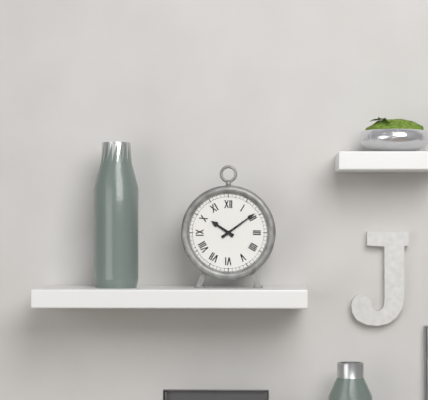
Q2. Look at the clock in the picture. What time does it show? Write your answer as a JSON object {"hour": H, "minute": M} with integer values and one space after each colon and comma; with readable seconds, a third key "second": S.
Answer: {"hour": 10, "minute": 9}
